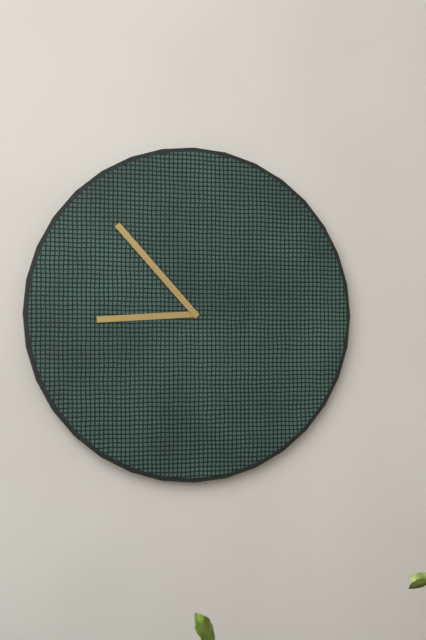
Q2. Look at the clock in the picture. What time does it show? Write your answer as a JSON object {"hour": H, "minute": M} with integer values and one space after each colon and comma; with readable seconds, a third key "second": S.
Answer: {"hour": 8, "minute": 53}
